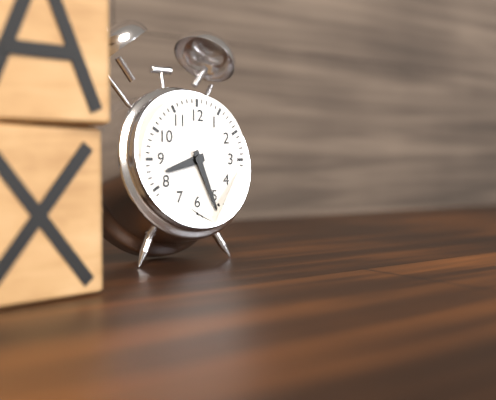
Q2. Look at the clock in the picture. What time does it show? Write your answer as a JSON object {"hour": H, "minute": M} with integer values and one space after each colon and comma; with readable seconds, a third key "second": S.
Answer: {"hour": 8, "minute": 26}
